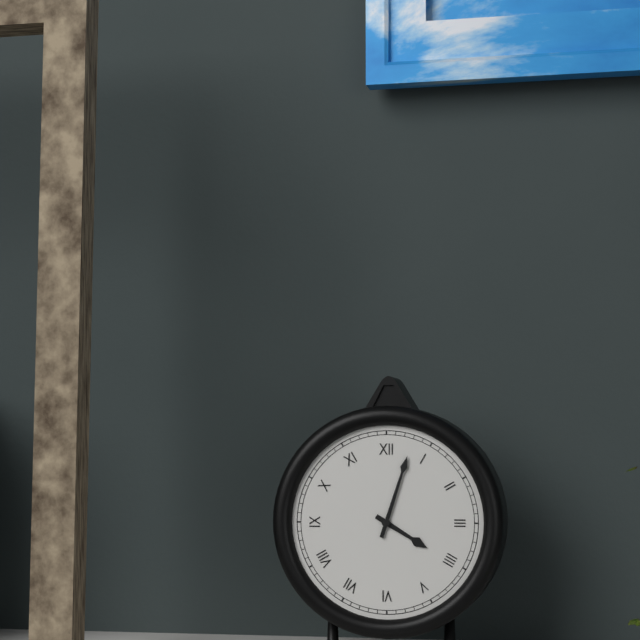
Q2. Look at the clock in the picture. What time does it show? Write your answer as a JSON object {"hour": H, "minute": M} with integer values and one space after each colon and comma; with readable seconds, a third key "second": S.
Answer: {"hour": 4, "minute": 3}
